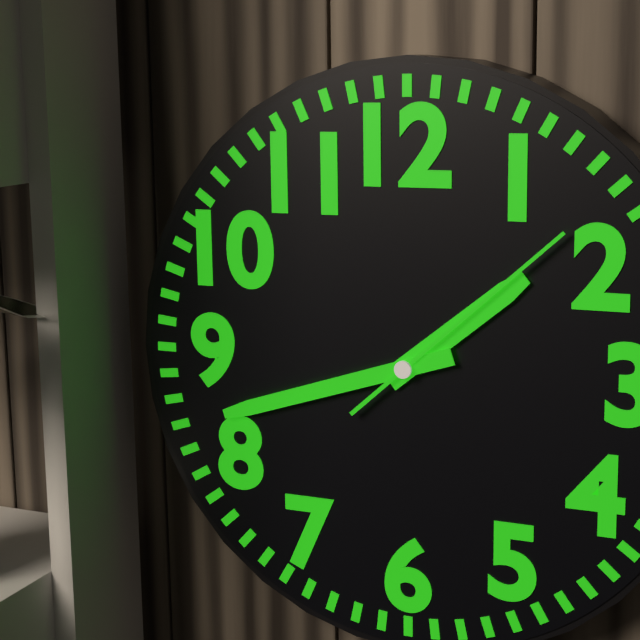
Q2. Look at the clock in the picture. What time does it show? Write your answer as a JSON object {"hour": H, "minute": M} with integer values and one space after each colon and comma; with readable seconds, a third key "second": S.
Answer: {"hour": 1, "minute": 42, "second": 8}
